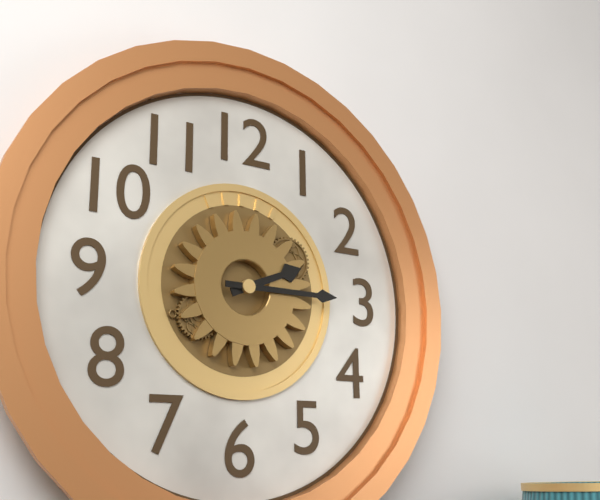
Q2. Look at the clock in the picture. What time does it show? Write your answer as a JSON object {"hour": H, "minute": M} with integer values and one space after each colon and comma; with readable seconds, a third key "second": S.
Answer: {"hour": 2, "minute": 15}
